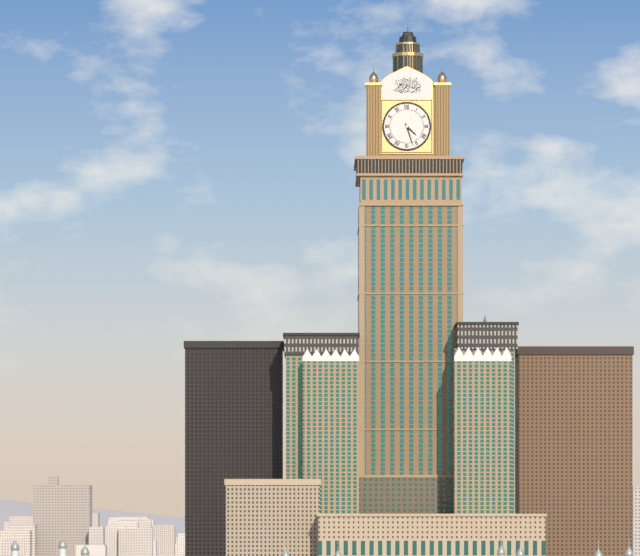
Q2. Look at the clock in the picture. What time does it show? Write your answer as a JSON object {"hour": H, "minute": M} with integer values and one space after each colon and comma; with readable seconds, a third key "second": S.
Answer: {"hour": 4, "minute": 27}
